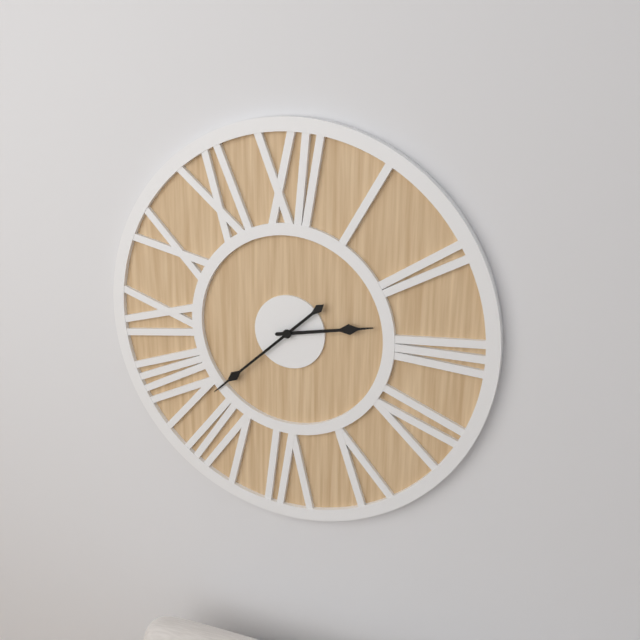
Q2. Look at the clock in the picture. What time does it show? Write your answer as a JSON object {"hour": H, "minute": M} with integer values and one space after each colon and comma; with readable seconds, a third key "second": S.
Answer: {"hour": 2, "minute": 38}
